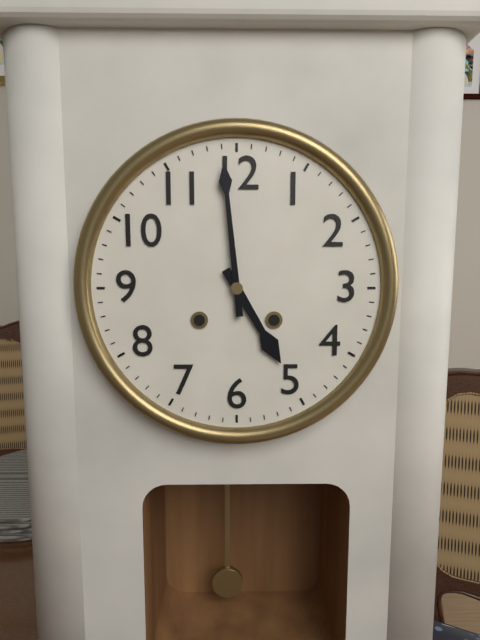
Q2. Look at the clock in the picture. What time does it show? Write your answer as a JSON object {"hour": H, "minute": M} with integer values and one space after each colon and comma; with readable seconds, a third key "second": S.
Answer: {"hour": 4, "minute": 59}
